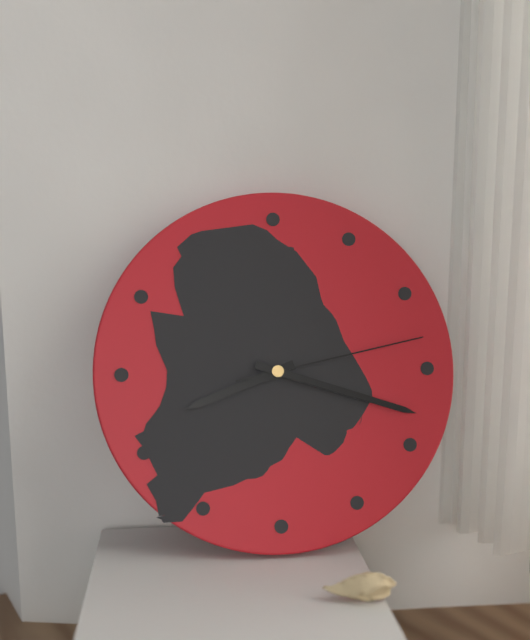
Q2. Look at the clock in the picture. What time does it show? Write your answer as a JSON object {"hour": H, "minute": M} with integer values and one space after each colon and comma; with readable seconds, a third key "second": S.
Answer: {"hour": 8, "minute": 18, "second": 13}
